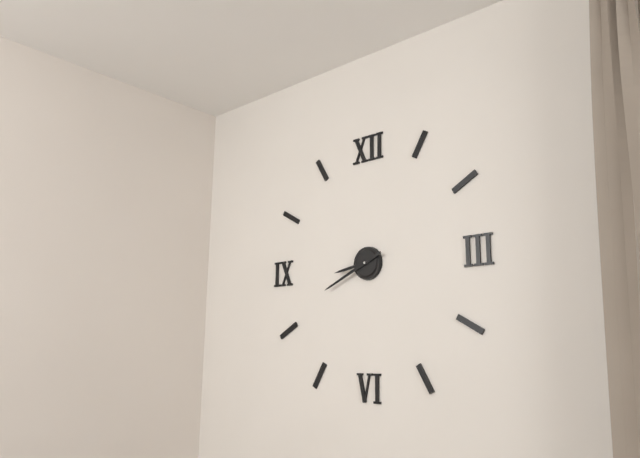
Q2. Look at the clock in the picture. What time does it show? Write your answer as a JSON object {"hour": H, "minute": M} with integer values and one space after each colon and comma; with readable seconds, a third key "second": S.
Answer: {"hour": 8, "minute": 41}
